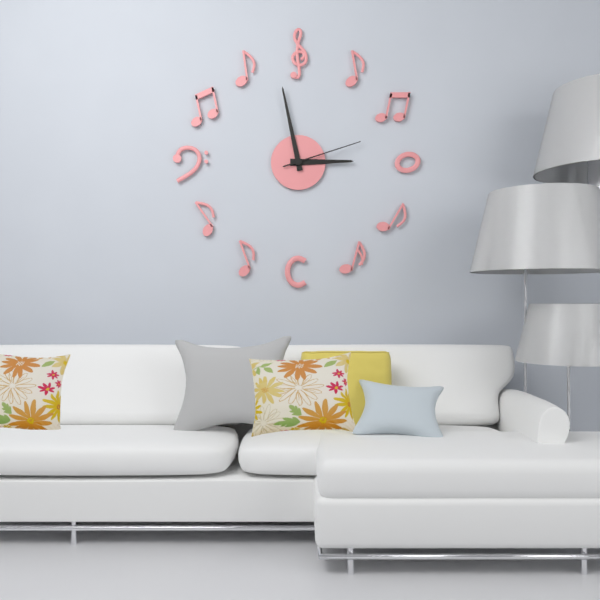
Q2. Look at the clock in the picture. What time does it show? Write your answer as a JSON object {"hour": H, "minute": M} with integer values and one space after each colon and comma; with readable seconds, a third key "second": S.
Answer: {"hour": 2, "minute": 58, "second": 12}
